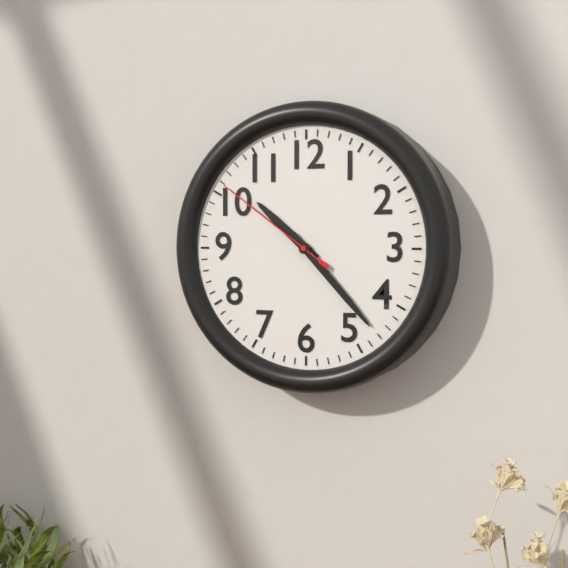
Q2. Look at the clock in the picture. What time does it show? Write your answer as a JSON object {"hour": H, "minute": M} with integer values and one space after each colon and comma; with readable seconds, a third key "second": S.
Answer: {"hour": 10, "minute": 23, "second": 51}
